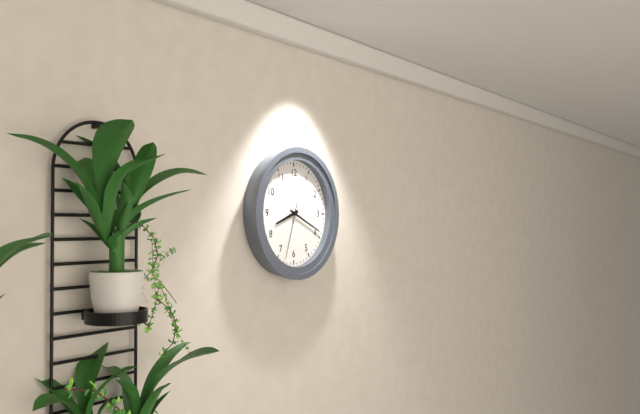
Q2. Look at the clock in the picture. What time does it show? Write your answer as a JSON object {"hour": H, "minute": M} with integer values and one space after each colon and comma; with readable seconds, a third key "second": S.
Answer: {"hour": 8, "minute": 19, "second": 33}
